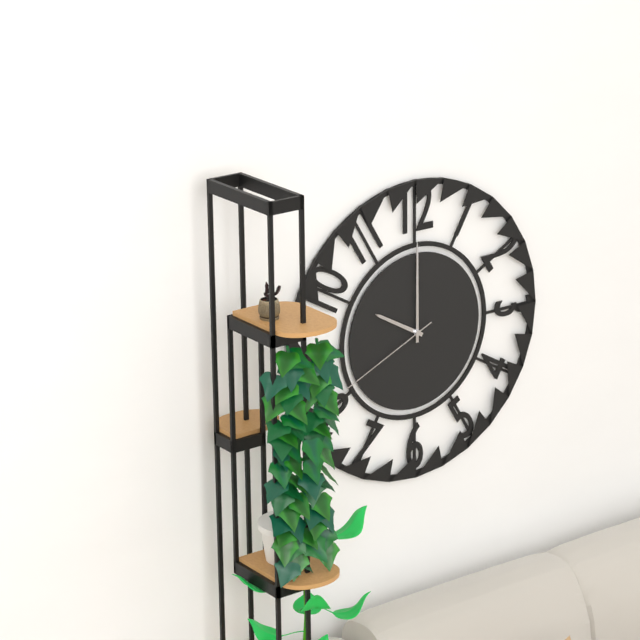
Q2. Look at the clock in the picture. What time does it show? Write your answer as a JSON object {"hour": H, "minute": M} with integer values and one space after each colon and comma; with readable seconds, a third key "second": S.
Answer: {"hour": 10, "minute": 0, "second": 41}
